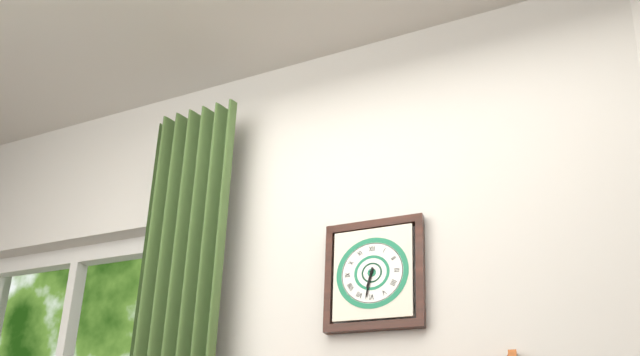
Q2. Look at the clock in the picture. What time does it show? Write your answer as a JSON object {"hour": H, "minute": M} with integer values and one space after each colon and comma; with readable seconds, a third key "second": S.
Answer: {"hour": 6, "minute": 32}
